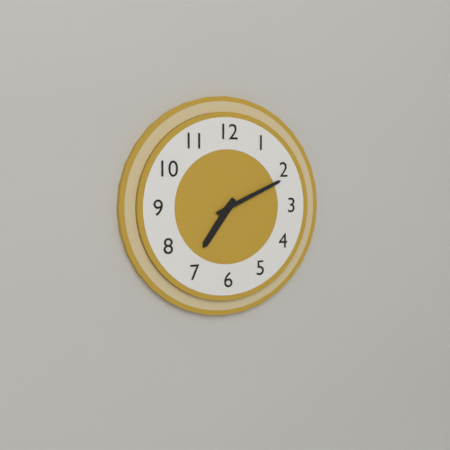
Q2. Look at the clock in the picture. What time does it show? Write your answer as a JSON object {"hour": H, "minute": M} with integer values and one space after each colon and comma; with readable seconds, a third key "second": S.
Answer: {"hour": 7, "minute": 11}
